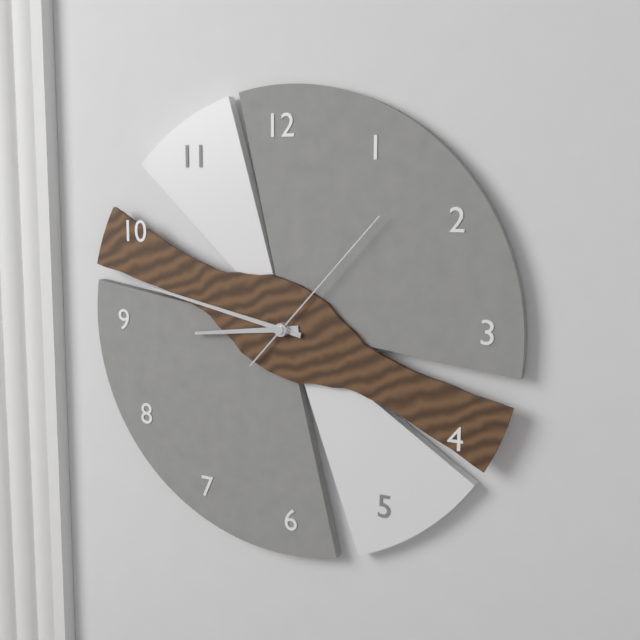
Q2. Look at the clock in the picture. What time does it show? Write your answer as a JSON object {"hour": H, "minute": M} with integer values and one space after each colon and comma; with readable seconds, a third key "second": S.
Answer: {"hour": 8, "minute": 47, "second": 7}
